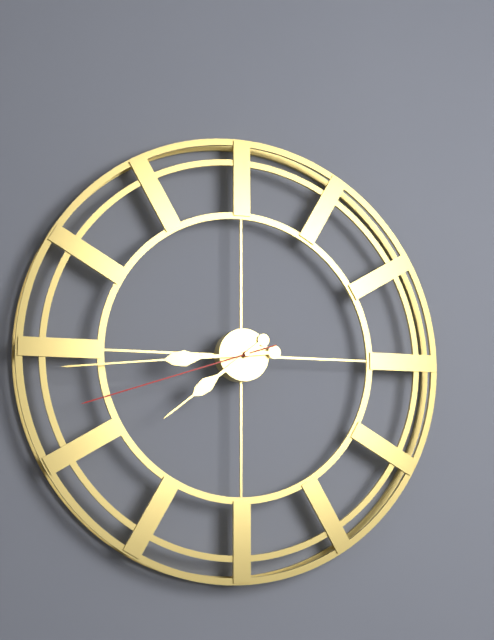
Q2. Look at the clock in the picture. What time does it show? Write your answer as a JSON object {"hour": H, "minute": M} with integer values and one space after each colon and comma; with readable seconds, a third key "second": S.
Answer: {"hour": 7, "minute": 44, "second": 42}
